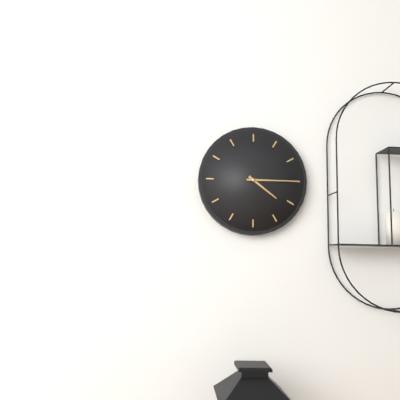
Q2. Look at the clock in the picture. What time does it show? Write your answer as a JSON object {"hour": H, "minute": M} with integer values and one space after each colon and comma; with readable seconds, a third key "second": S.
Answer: {"hour": 4, "minute": 15}
